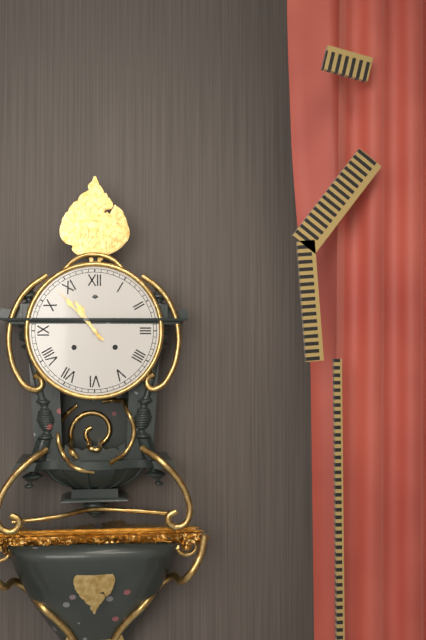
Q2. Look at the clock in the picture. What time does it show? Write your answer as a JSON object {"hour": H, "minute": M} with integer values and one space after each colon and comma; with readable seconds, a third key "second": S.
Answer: {"hour": 10, "minute": 53}
